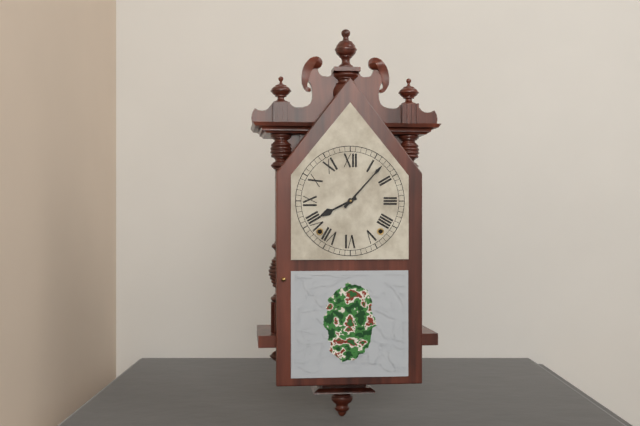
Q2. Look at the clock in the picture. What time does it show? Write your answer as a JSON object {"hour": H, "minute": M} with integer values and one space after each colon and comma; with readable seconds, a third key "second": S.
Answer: {"hour": 8, "minute": 7}
